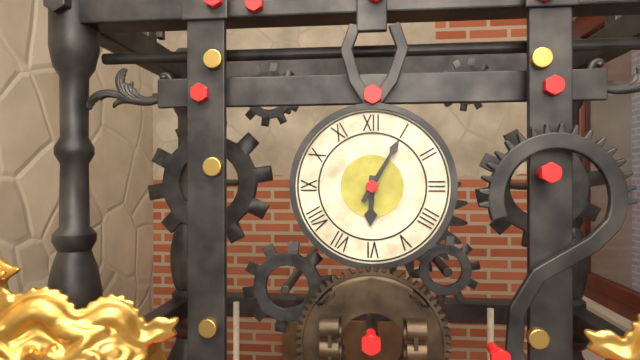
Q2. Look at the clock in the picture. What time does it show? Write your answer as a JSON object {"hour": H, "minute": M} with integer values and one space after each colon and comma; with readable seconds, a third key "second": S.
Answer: {"hour": 6, "minute": 5}
